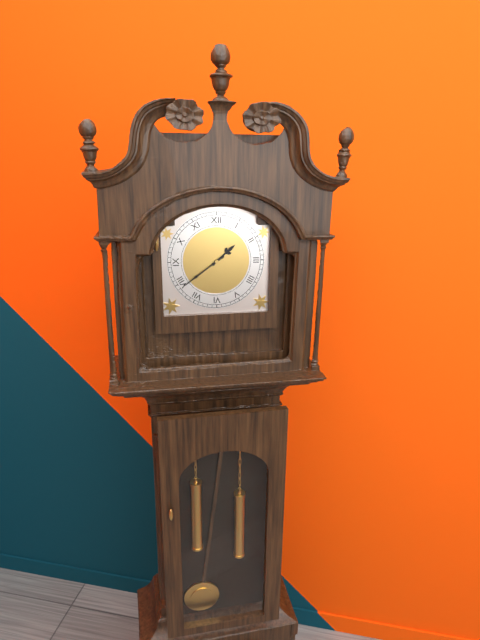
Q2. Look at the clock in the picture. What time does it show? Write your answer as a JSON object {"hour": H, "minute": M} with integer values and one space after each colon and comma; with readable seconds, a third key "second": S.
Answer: {"hour": 1, "minute": 39}
